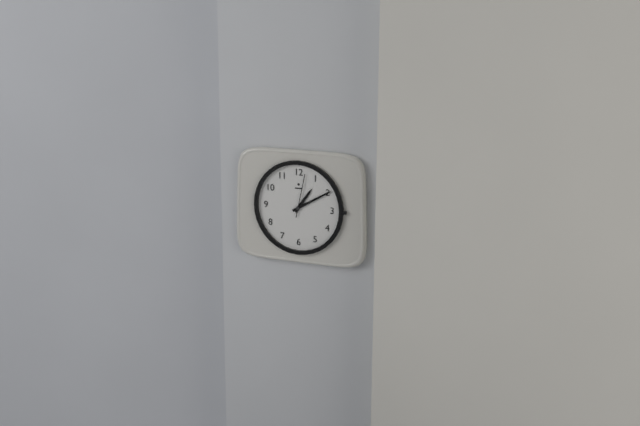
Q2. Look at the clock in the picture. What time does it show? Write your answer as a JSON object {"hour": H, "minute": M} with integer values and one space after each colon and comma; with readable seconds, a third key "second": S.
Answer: {"hour": 1, "minute": 10}
